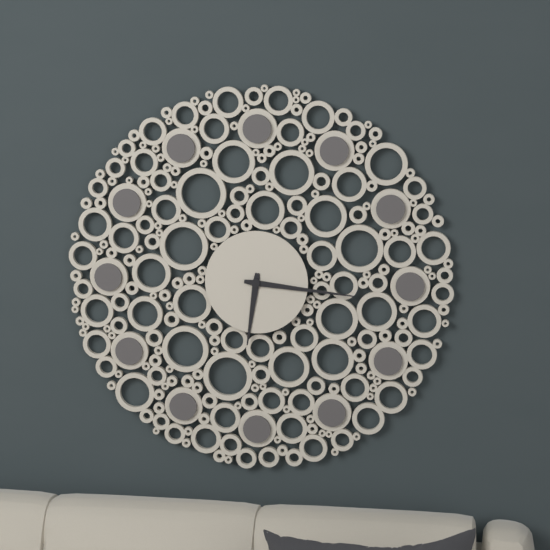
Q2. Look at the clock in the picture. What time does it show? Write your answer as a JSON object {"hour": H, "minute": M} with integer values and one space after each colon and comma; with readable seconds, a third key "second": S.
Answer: {"hour": 6, "minute": 16}
